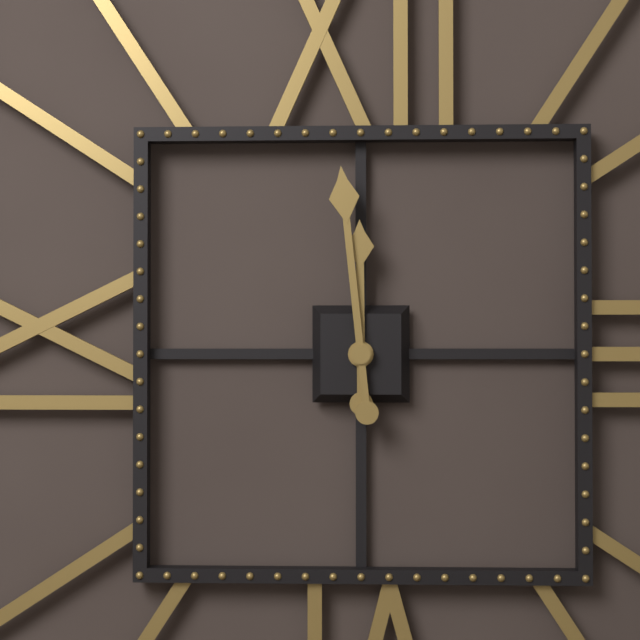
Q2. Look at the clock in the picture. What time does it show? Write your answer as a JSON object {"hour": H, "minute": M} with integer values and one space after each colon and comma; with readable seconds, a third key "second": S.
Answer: {"hour": 11, "minute": 59}
